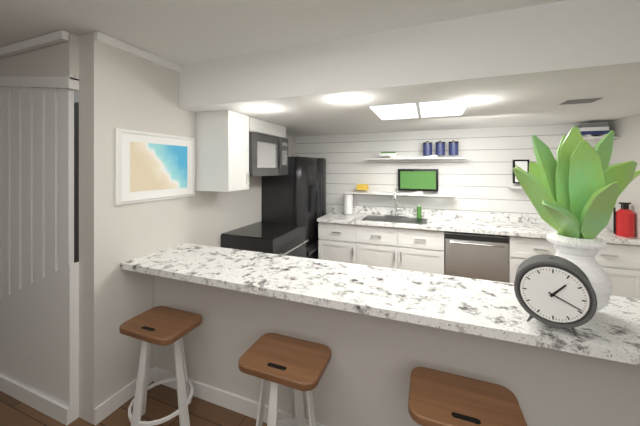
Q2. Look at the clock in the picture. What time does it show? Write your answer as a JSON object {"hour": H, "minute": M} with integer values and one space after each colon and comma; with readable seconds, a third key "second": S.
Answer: {"hour": 1, "minute": 19}
